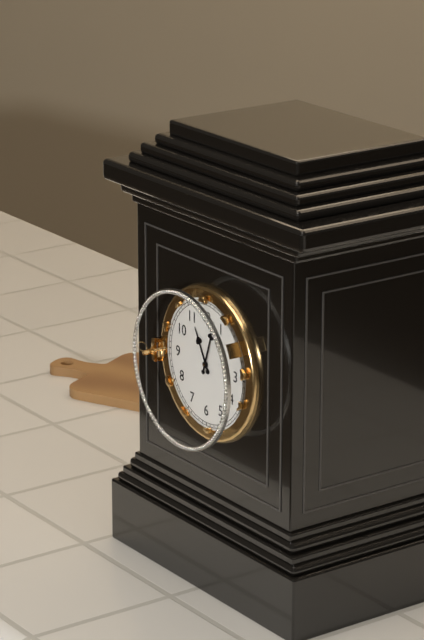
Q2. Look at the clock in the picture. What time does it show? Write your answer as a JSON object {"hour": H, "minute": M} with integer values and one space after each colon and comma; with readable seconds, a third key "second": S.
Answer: {"hour": 11, "minute": 3}
